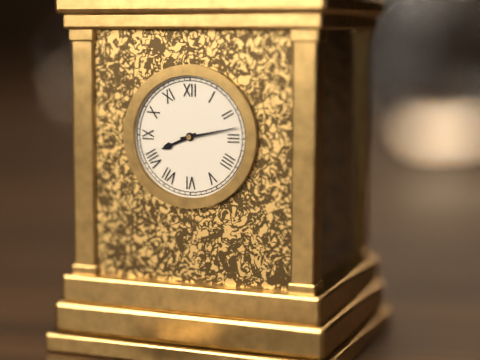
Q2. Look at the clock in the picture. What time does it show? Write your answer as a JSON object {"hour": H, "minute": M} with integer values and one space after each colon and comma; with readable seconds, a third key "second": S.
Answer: {"hour": 8, "minute": 13}
